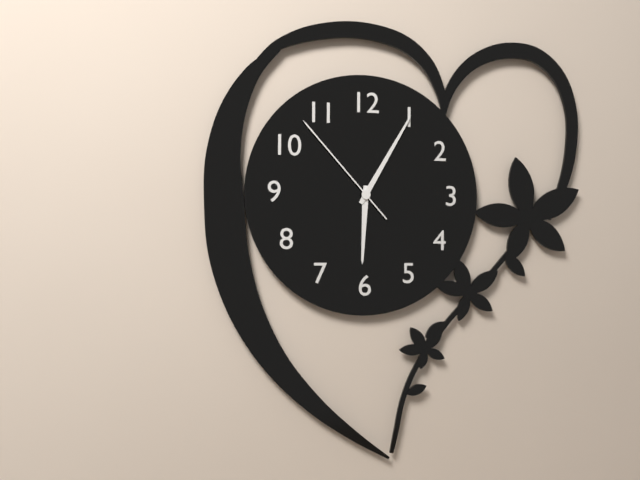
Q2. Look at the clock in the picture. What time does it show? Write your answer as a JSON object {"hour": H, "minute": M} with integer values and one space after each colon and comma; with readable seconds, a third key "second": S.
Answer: {"hour": 6, "minute": 5, "second": 53}
